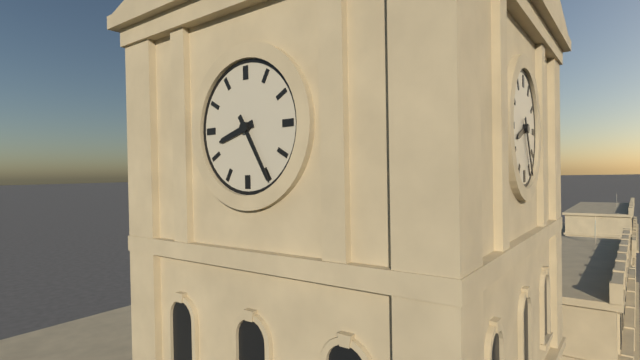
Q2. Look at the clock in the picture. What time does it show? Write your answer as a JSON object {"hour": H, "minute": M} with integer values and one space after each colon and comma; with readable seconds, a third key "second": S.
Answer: {"hour": 8, "minute": 25}
